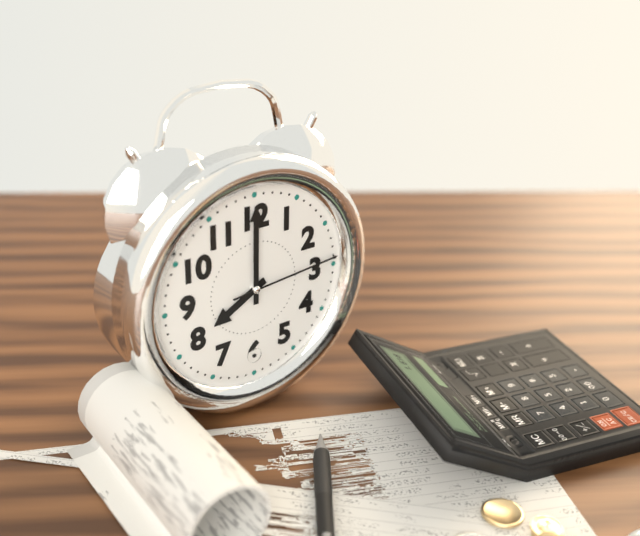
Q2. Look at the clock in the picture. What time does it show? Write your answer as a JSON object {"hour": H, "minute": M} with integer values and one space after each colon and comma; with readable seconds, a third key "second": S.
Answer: {"hour": 8, "minute": 0, "second": 14}
